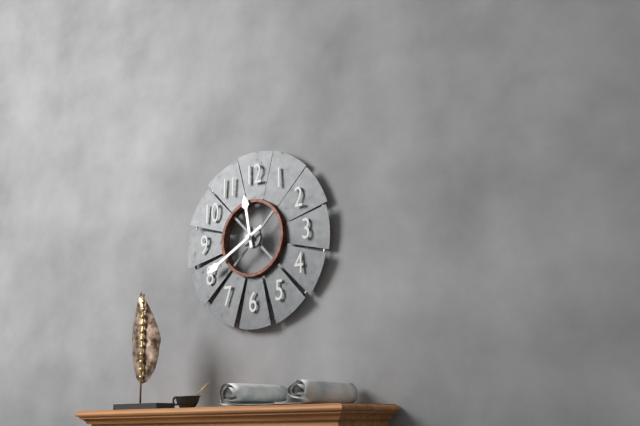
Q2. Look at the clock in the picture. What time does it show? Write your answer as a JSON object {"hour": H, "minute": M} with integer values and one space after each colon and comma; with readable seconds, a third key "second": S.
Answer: {"hour": 11, "minute": 40}
